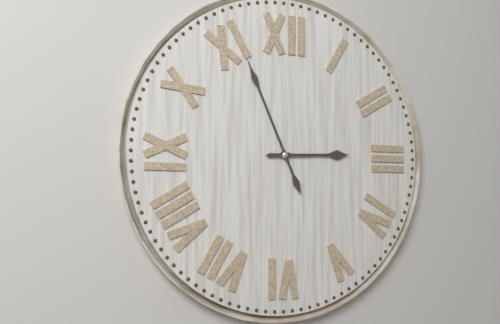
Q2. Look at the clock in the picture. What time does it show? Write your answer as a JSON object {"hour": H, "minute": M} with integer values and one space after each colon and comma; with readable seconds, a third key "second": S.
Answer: {"hour": 2, "minute": 56}
